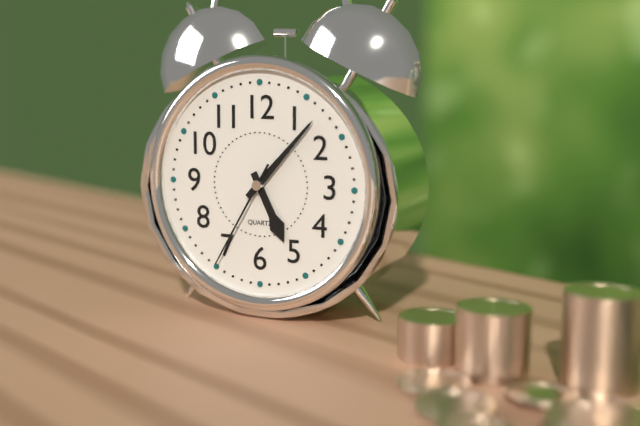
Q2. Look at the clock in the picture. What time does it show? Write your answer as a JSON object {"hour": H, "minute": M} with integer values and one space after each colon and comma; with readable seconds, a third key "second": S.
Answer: {"hour": 5, "minute": 7, "second": 35}
